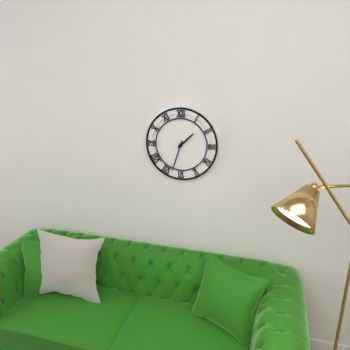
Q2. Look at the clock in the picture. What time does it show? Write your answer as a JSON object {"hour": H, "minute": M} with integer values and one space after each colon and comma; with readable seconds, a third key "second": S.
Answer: {"hour": 1, "minute": 33}
